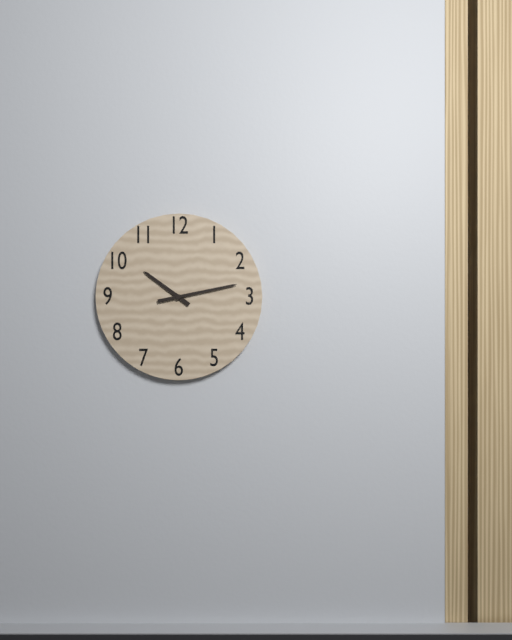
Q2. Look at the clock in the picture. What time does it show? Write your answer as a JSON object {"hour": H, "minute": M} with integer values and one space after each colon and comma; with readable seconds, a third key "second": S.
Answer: {"hour": 10, "minute": 13}
